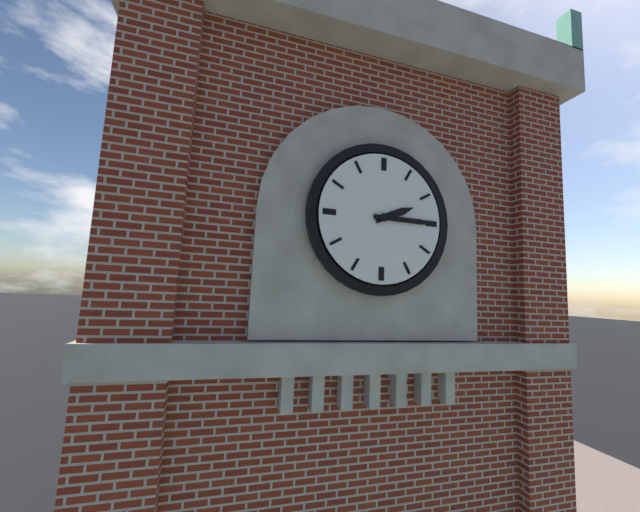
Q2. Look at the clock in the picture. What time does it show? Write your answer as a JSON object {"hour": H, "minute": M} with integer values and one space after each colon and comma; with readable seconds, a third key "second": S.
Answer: {"hour": 2, "minute": 15}
